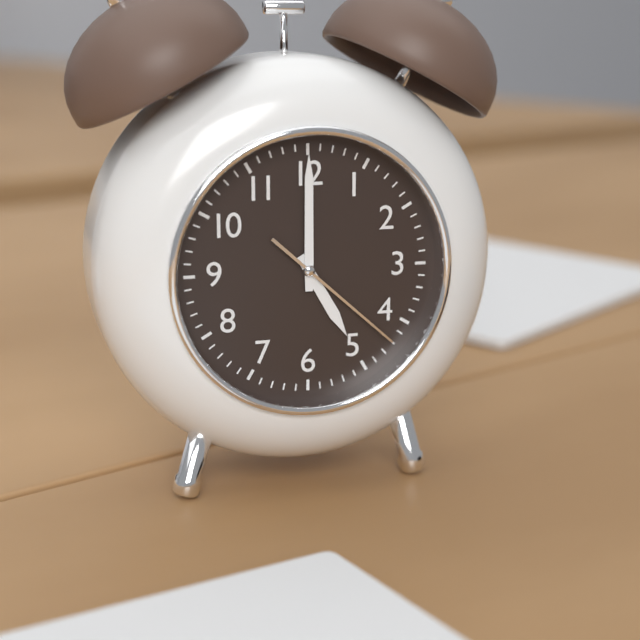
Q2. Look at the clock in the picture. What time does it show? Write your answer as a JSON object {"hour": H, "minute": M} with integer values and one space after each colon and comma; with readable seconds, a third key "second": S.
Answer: {"hour": 5, "minute": 0, "second": 22}
